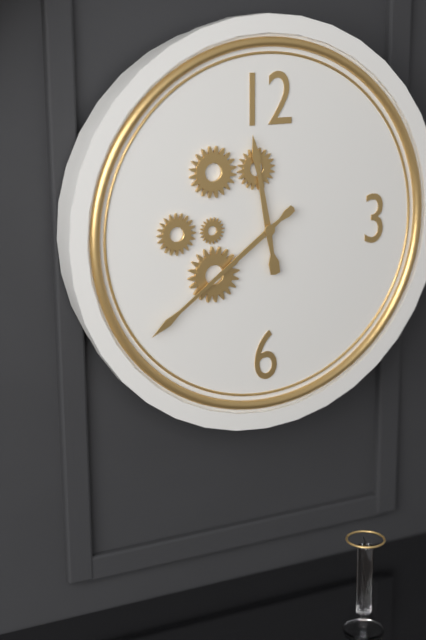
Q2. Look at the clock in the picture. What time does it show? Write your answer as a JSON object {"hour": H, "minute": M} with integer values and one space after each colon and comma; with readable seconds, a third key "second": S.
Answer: {"hour": 11, "minute": 39}
